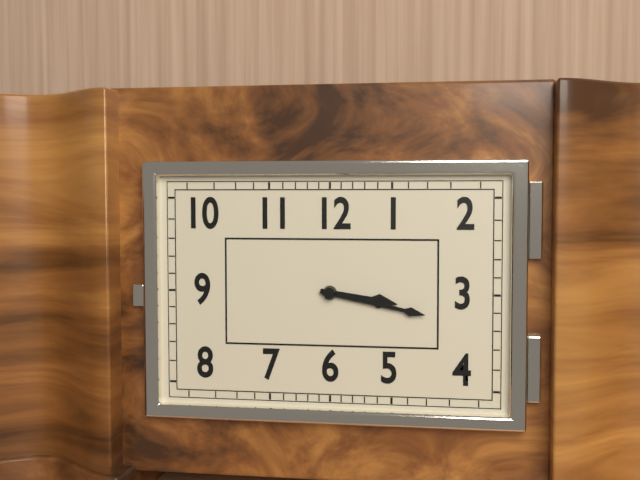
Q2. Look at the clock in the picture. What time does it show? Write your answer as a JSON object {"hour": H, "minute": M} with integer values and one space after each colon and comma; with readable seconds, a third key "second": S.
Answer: {"hour": 3, "minute": 17}
